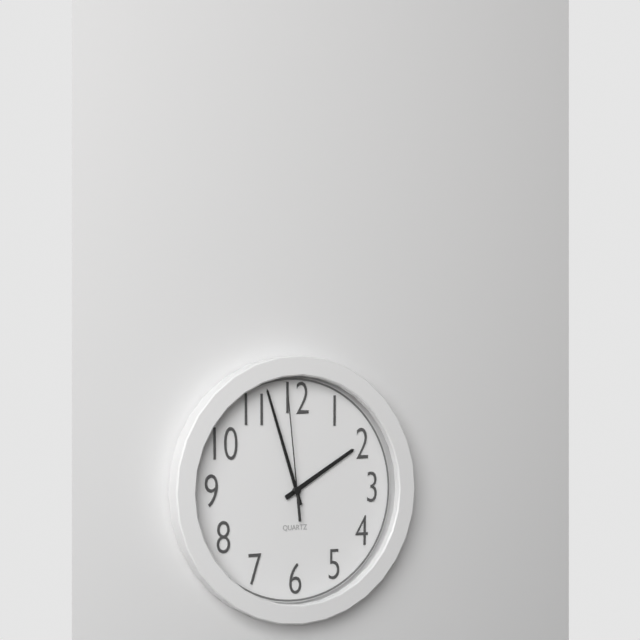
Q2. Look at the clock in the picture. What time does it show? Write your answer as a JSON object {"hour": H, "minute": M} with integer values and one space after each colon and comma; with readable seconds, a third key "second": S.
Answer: {"hour": 1, "minute": 57, "second": 59}
